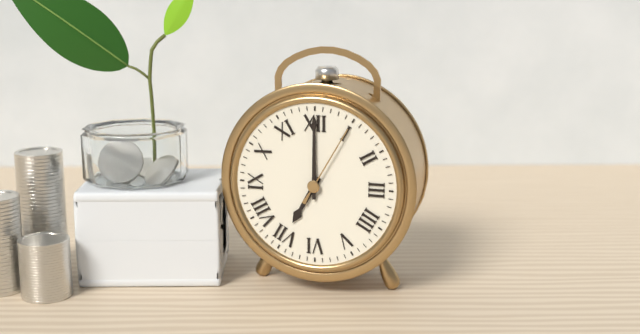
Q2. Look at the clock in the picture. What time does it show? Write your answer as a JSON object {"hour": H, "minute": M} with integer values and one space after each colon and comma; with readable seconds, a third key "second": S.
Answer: {"hour": 7, "minute": 0, "second": 5}
